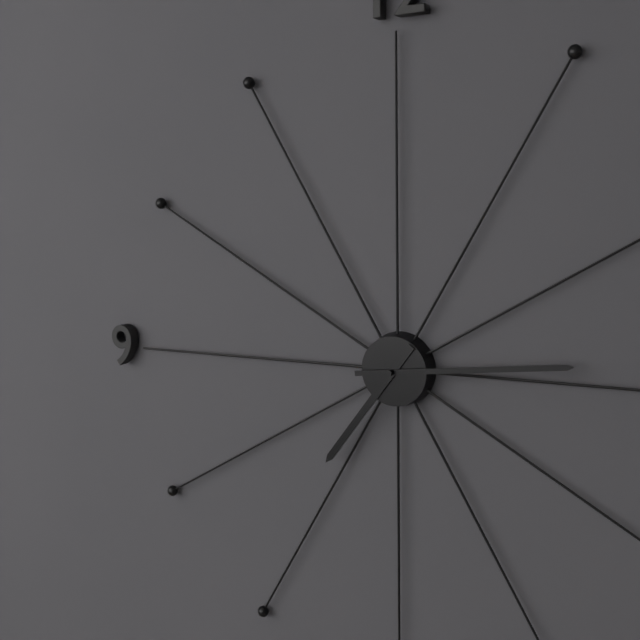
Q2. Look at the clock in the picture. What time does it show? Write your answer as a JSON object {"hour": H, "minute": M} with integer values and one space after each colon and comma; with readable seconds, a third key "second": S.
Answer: {"hour": 7, "minute": 14}
